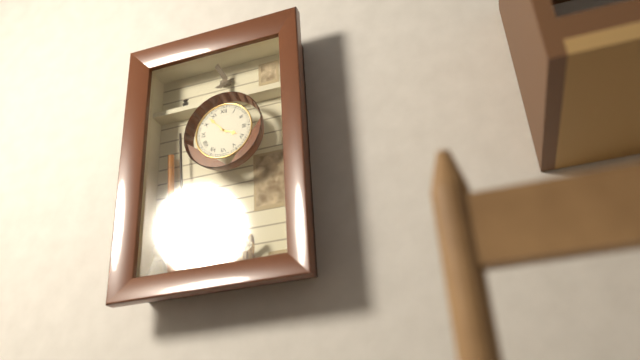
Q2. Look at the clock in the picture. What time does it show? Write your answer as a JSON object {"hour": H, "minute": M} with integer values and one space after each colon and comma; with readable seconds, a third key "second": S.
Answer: {"hour": 3, "minute": 53}
